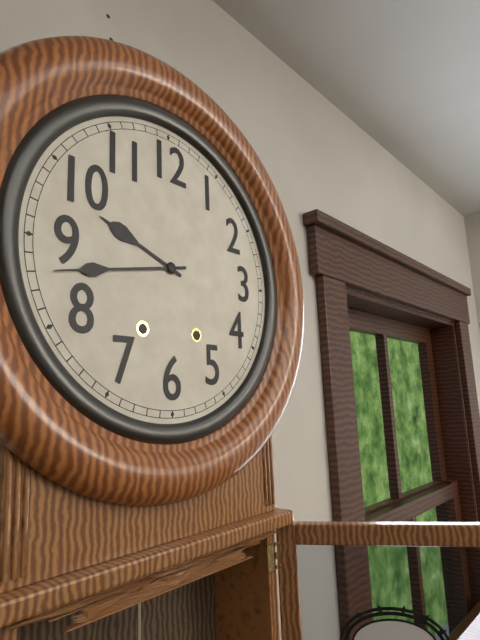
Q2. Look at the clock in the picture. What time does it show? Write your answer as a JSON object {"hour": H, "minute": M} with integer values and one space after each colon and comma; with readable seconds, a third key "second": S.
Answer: {"hour": 9, "minute": 43}
